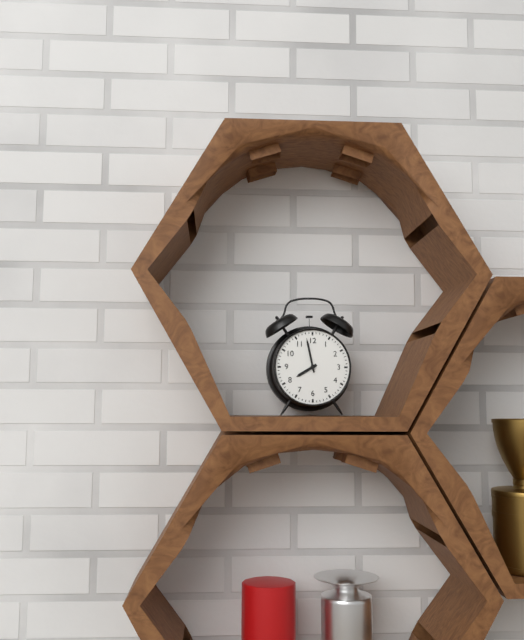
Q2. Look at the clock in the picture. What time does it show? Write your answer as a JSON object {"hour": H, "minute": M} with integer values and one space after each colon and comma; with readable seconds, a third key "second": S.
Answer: {"hour": 7, "minute": 58}
